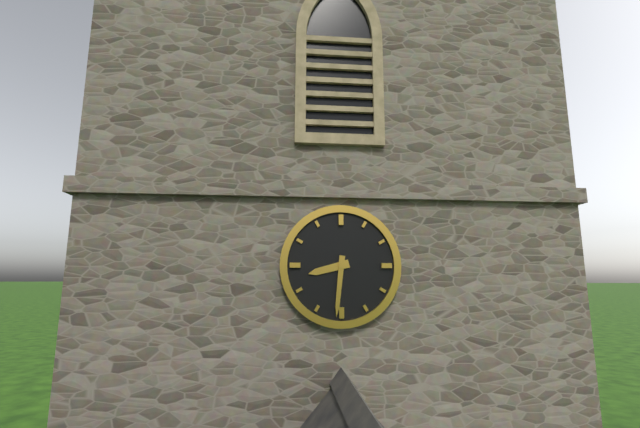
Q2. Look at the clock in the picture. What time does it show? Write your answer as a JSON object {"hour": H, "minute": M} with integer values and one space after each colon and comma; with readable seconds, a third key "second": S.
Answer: {"hour": 8, "minute": 31}
